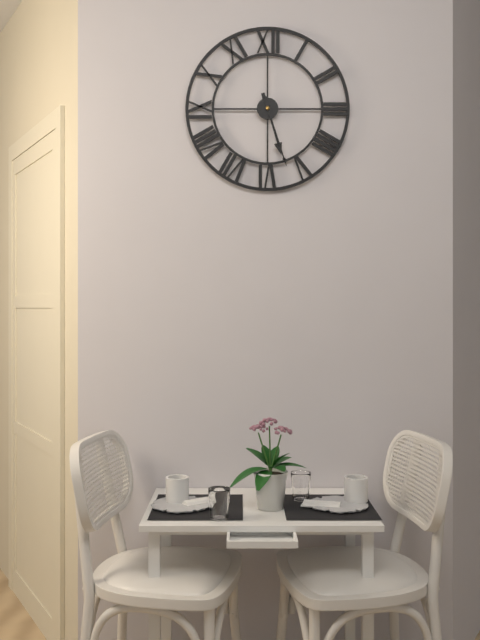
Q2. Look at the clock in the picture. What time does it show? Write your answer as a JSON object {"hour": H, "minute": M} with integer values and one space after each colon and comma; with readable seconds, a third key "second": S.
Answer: {"hour": 5, "minute": 27}
